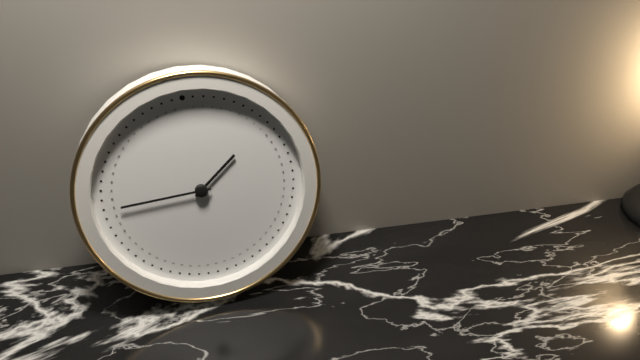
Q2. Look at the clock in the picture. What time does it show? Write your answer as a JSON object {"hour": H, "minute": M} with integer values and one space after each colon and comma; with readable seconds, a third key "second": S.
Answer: {"hour": 1, "minute": 45}
